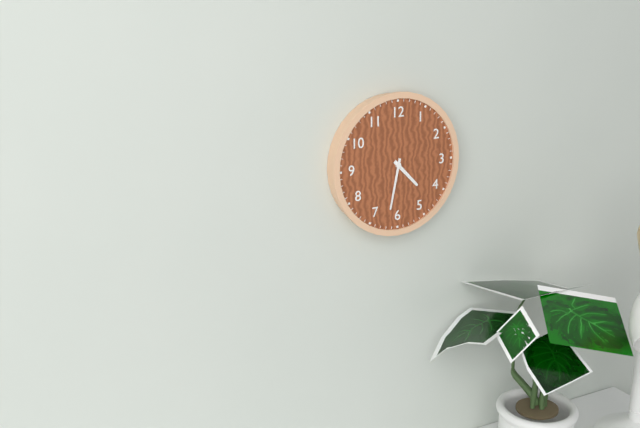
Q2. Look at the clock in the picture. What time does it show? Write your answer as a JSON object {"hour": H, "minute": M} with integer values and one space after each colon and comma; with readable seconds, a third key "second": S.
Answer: {"hour": 4, "minute": 32}
